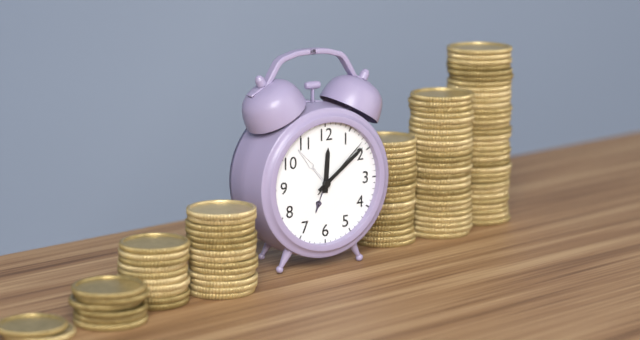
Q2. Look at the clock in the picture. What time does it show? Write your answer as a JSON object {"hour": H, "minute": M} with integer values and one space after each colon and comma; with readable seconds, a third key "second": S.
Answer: {"hour": 12, "minute": 9, "second": 8}
